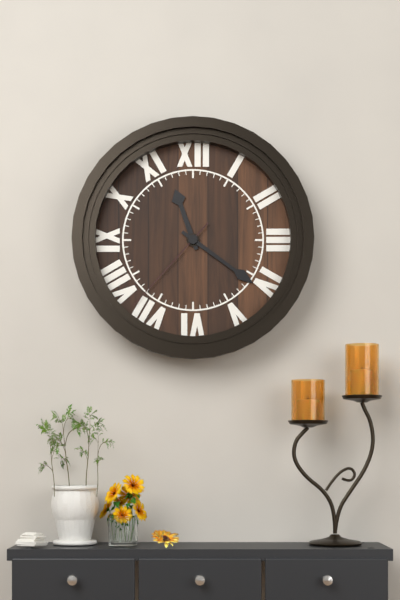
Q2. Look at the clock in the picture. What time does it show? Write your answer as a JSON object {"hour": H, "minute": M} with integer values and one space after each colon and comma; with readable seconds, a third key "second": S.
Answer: {"hour": 11, "minute": 21, "second": 37}
